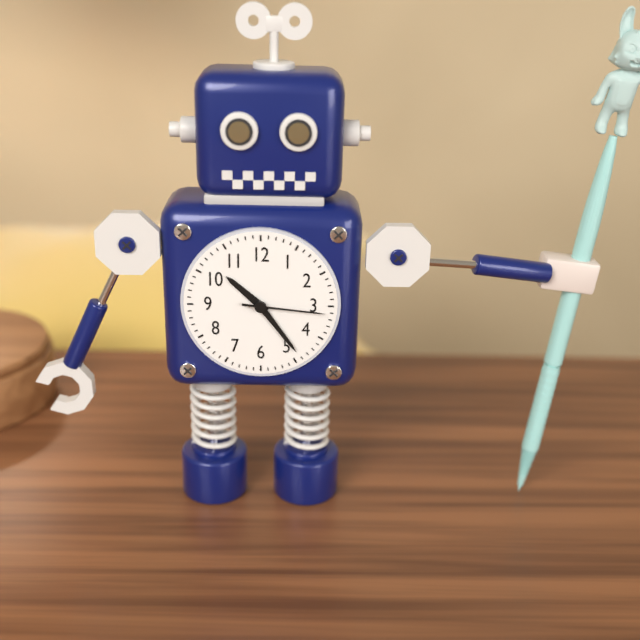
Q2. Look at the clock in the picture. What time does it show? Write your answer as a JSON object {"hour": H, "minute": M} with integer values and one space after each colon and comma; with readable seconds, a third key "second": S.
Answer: {"hour": 10, "minute": 24, "second": 16}
